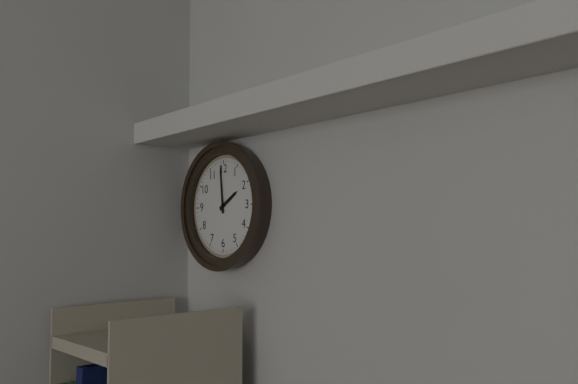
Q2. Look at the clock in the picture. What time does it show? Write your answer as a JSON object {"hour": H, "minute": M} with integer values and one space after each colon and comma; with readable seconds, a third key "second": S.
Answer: {"hour": 1, "minute": 59}
